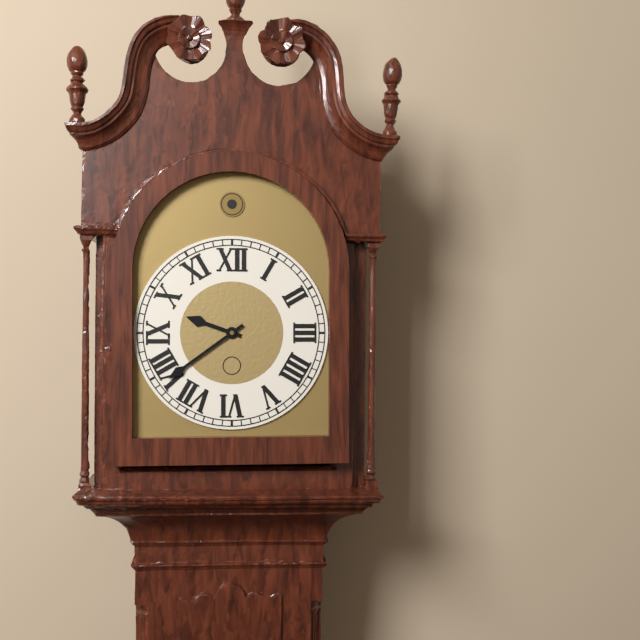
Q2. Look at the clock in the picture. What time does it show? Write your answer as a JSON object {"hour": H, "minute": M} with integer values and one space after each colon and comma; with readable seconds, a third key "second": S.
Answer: {"hour": 9, "minute": 39}
